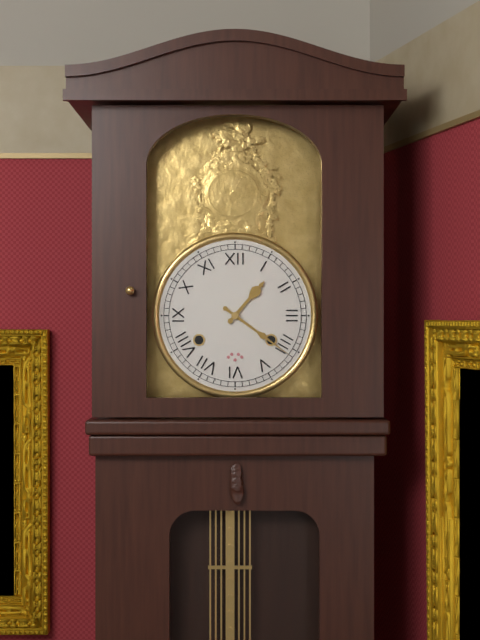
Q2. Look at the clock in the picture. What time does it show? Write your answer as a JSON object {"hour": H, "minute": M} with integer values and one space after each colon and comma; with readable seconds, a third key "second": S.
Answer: {"hour": 1, "minute": 21}
